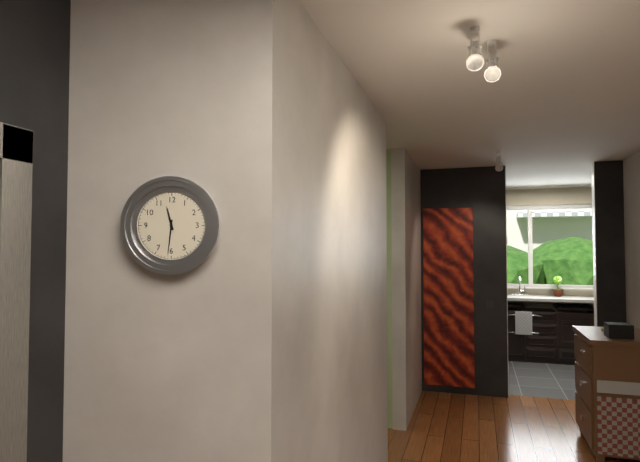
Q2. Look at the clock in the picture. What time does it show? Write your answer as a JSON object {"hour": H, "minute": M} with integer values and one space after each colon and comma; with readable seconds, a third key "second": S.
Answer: {"hour": 11, "minute": 31}
